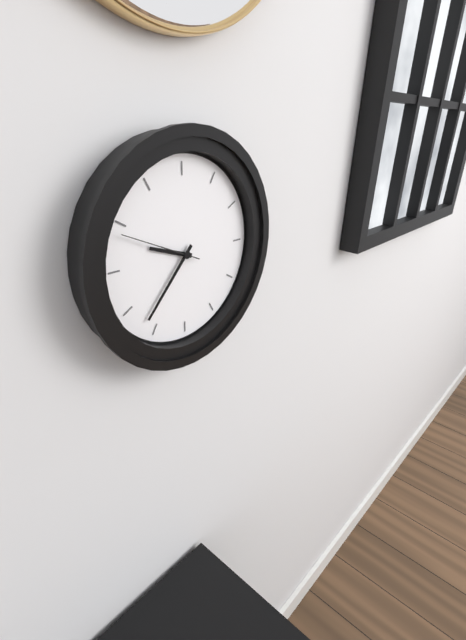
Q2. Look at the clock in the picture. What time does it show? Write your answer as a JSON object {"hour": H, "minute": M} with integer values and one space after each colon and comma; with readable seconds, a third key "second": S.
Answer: {"hour": 9, "minute": 37, "second": 49}
